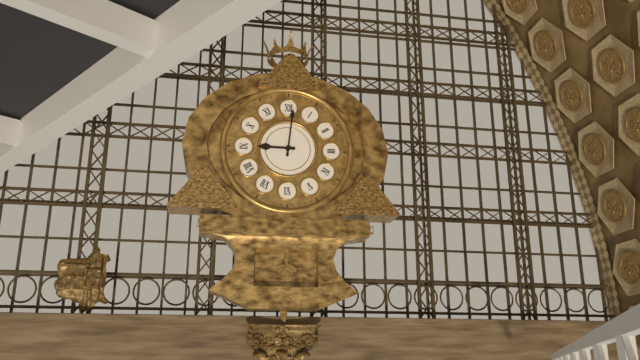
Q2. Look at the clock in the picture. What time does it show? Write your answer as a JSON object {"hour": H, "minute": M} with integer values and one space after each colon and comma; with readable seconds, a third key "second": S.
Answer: {"hour": 9, "minute": 1}
